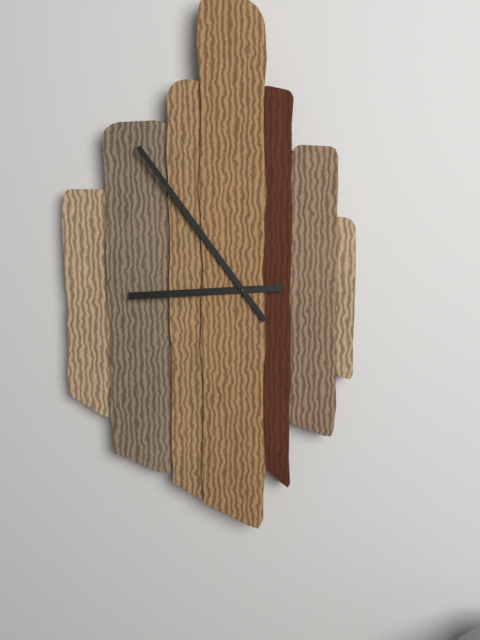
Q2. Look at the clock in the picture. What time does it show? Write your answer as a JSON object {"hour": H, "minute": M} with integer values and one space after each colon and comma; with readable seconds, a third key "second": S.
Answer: {"hour": 8, "minute": 54}
